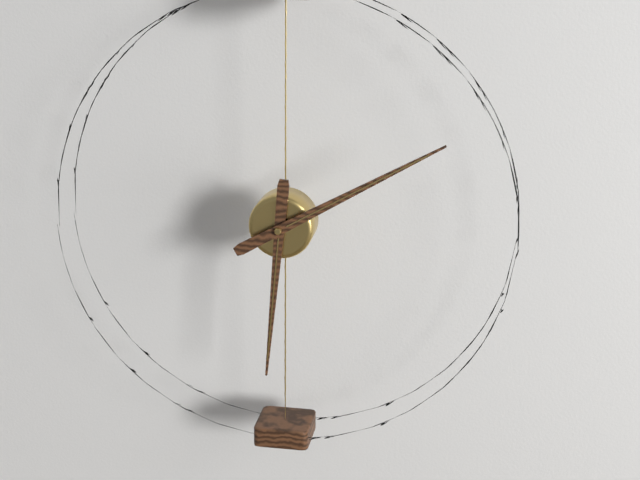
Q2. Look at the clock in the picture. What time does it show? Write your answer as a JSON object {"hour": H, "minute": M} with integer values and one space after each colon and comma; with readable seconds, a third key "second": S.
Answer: {"hour": 6, "minute": 10}
